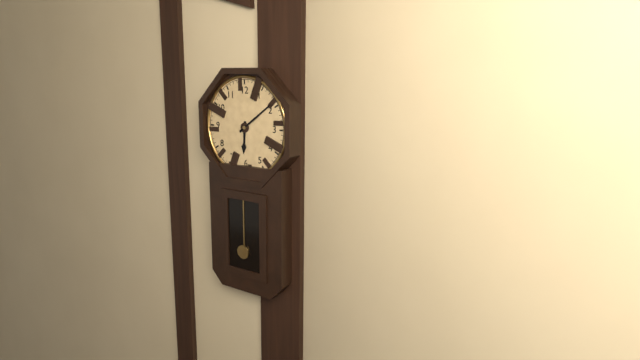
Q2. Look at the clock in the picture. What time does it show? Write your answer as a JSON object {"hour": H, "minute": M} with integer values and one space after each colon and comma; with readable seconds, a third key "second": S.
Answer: {"hour": 6, "minute": 9}
